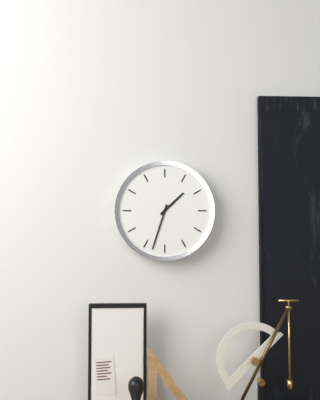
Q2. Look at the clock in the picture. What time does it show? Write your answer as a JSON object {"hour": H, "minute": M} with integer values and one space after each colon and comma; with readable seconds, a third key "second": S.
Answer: {"hour": 1, "minute": 33}
